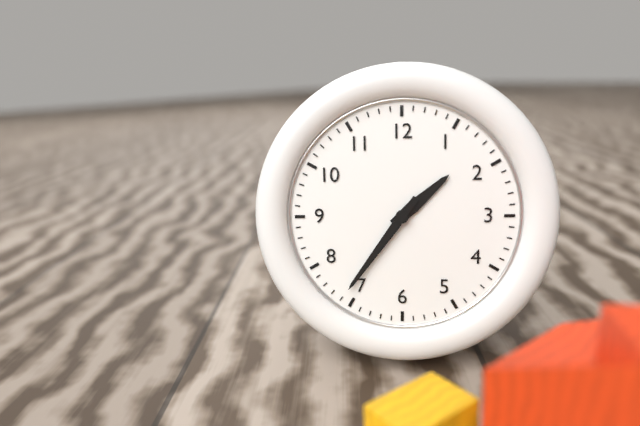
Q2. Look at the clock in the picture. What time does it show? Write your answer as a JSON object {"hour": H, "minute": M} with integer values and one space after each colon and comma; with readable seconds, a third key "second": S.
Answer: {"hour": 1, "minute": 36}
